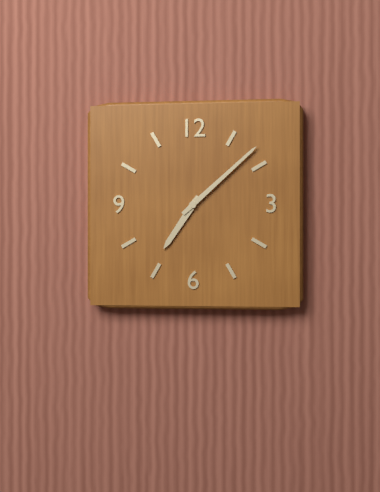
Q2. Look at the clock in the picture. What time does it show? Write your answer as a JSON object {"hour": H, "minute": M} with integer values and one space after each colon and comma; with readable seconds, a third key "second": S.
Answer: {"hour": 7, "minute": 8}
